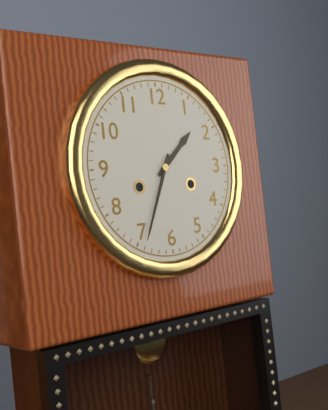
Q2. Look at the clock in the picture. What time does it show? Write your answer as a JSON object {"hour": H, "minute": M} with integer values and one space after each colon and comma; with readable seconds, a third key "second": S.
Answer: {"hour": 1, "minute": 34}
